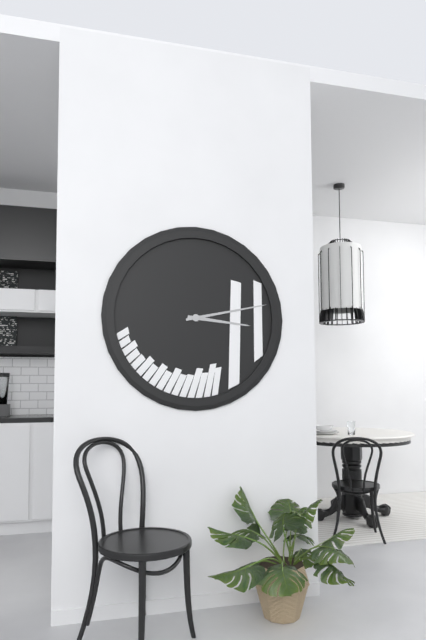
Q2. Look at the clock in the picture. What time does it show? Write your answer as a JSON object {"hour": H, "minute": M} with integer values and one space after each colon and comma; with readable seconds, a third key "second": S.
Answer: {"hour": 3, "minute": 13}
